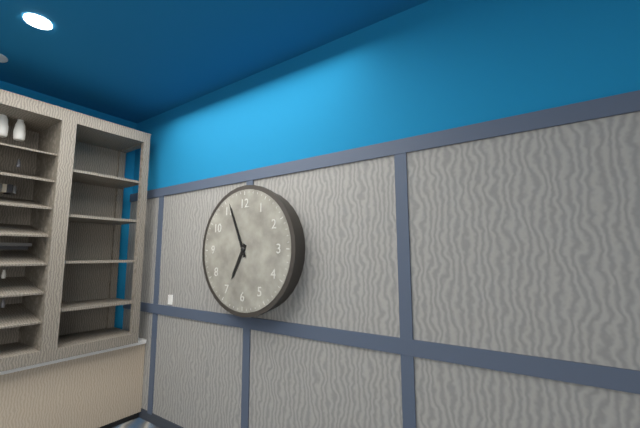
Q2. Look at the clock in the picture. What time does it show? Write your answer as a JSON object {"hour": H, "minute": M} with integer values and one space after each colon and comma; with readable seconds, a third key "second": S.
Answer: {"hour": 6, "minute": 56}
